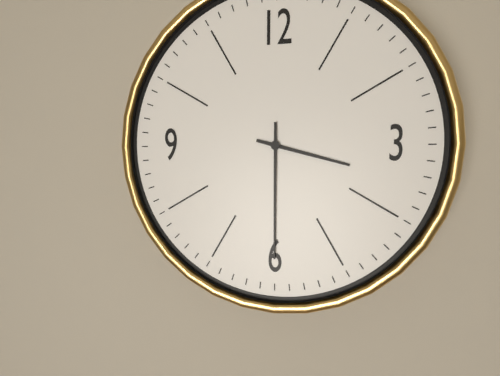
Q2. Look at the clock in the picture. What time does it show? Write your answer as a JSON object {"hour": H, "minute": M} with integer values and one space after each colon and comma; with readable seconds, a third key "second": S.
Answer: {"hour": 3, "minute": 30}
